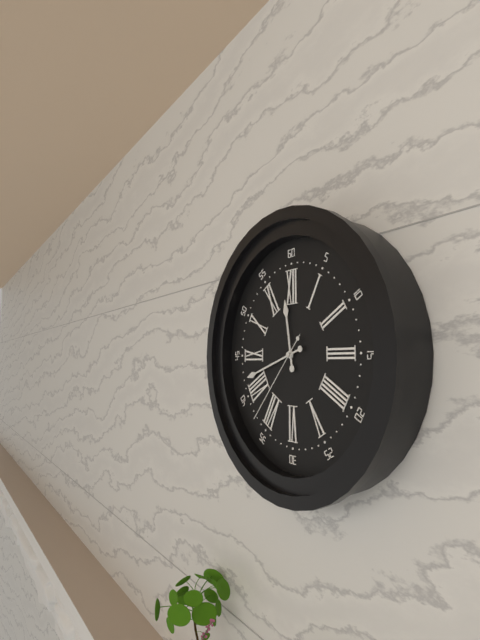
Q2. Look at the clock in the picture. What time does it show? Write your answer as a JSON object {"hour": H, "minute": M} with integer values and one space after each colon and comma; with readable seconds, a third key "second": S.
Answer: {"hour": 11, "minute": 42, "second": 37}
